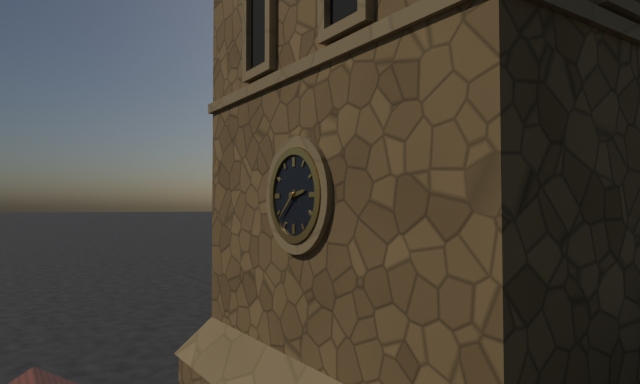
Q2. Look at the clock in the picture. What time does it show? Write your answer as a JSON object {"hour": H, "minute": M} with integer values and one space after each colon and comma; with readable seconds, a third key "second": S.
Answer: {"hour": 2, "minute": 38}
